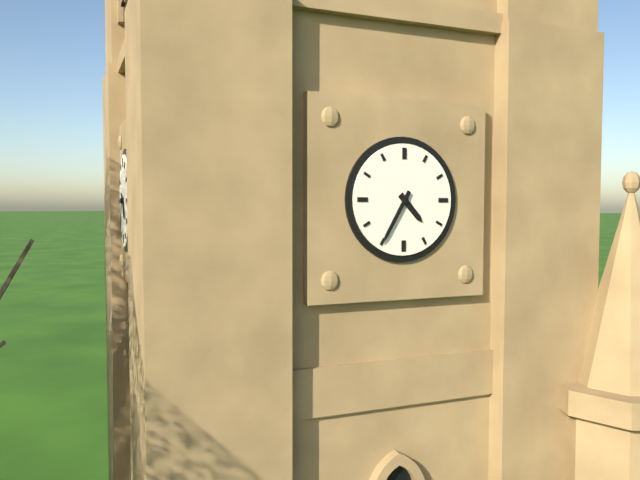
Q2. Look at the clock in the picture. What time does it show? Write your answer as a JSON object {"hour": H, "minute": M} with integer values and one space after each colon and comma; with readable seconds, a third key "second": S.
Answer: {"hour": 4, "minute": 35}
